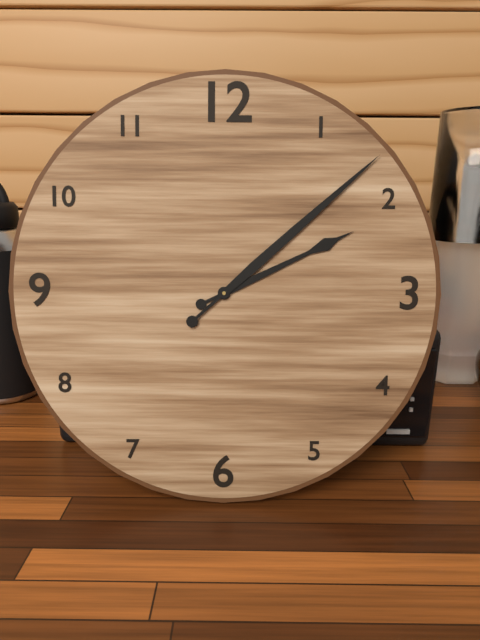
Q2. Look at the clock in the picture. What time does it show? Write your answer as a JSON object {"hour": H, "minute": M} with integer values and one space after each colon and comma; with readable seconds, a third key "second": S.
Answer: {"hour": 2, "minute": 8}
